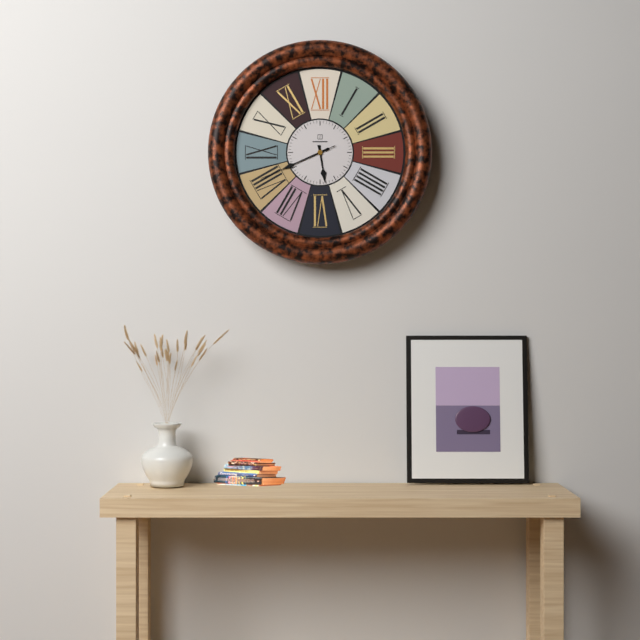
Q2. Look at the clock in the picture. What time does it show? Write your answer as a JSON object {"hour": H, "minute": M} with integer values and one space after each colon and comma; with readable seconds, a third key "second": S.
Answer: {"hour": 5, "minute": 41, "second": 41}
